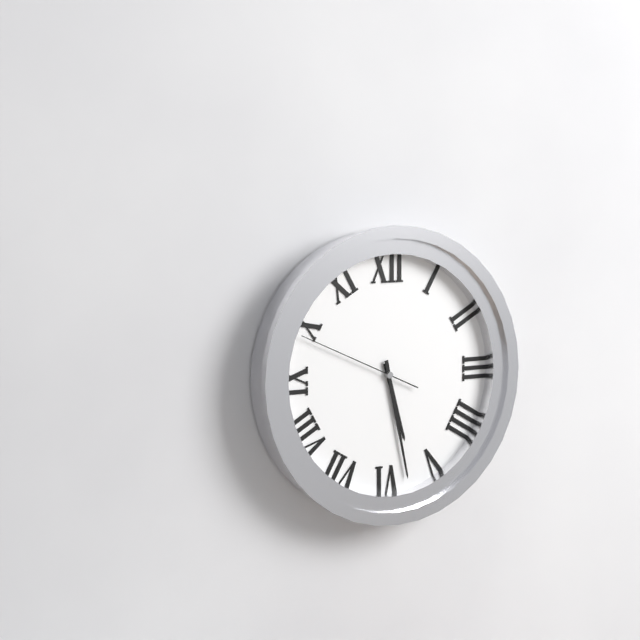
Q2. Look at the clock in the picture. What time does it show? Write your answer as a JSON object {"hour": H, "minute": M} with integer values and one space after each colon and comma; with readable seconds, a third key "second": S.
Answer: {"hour": 5, "minute": 28, "second": 49}
